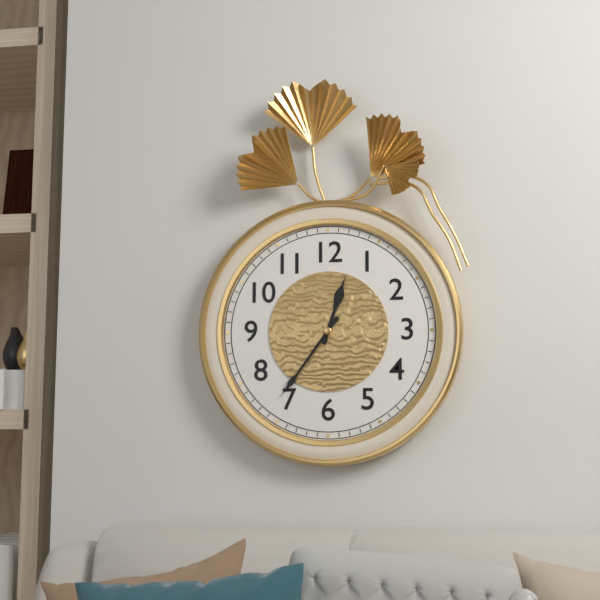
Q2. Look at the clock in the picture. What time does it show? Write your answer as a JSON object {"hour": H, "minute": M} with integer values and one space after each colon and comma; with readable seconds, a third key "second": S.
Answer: {"hour": 12, "minute": 36}
